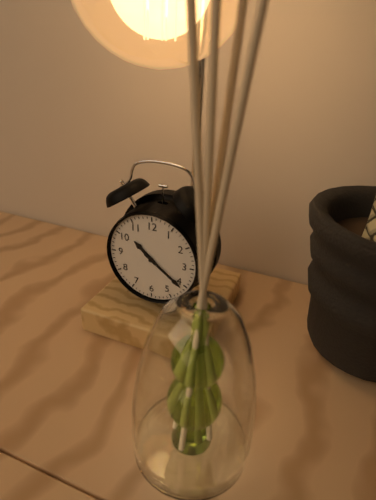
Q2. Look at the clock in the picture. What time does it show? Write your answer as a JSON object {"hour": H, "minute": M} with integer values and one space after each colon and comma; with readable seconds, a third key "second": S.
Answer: {"hour": 10, "minute": 21}
